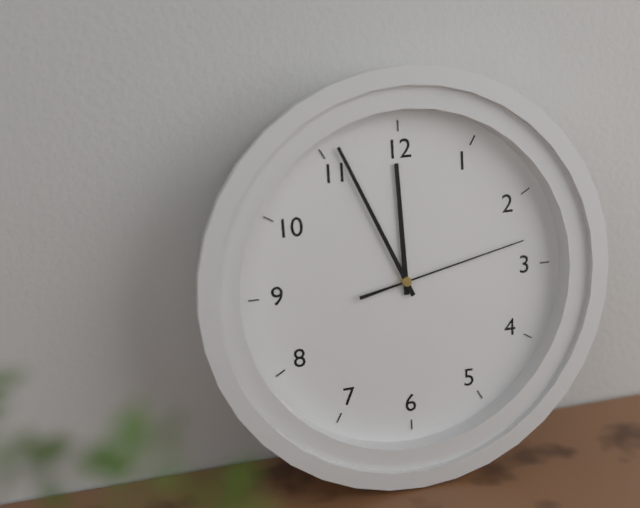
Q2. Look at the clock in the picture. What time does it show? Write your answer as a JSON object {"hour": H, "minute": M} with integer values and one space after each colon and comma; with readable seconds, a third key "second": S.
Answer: {"hour": 11, "minute": 56, "second": 13}
